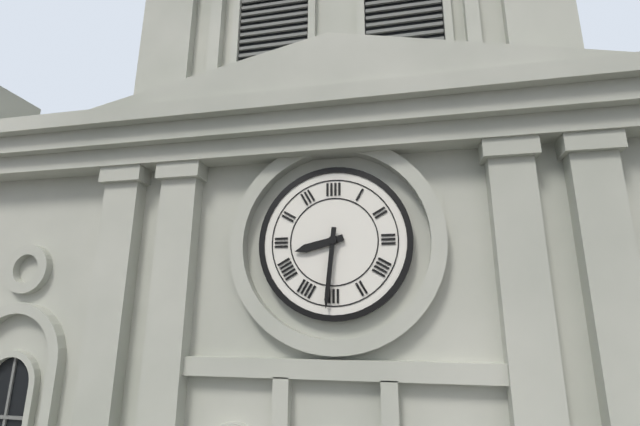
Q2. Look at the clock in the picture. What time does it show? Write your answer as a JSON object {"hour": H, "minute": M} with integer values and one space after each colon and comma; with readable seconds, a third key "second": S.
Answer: {"hour": 8, "minute": 31}
